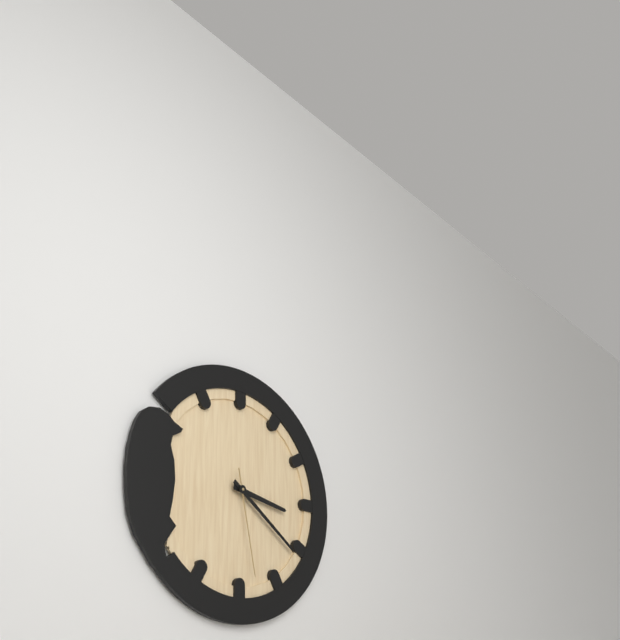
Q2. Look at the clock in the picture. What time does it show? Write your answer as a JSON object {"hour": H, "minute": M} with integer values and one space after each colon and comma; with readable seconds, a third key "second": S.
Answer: {"hour": 3, "minute": 21, "second": 28}
